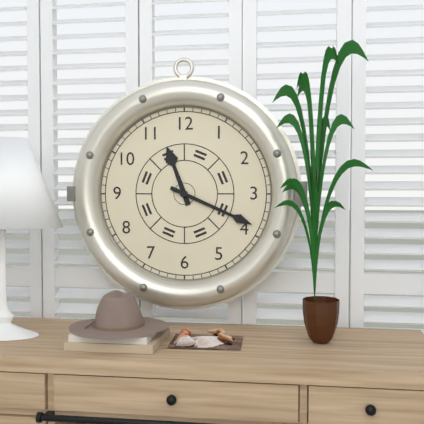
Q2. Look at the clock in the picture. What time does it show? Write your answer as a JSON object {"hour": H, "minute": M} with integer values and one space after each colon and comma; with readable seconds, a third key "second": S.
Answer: {"hour": 11, "minute": 19}
